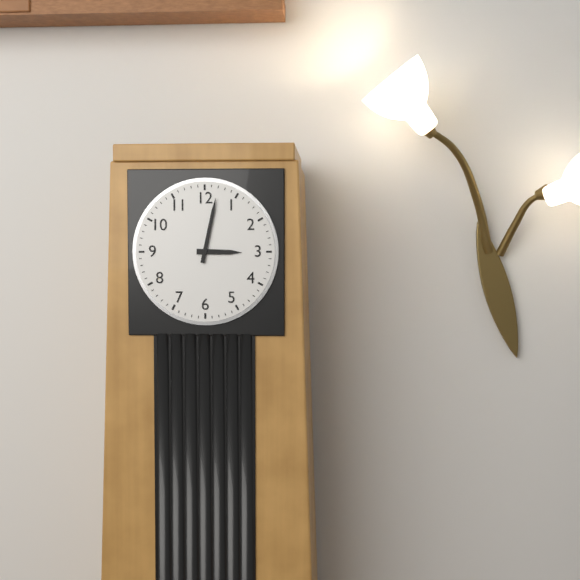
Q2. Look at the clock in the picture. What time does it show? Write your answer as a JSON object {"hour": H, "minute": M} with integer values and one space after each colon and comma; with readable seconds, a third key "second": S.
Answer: {"hour": 3, "minute": 2}
